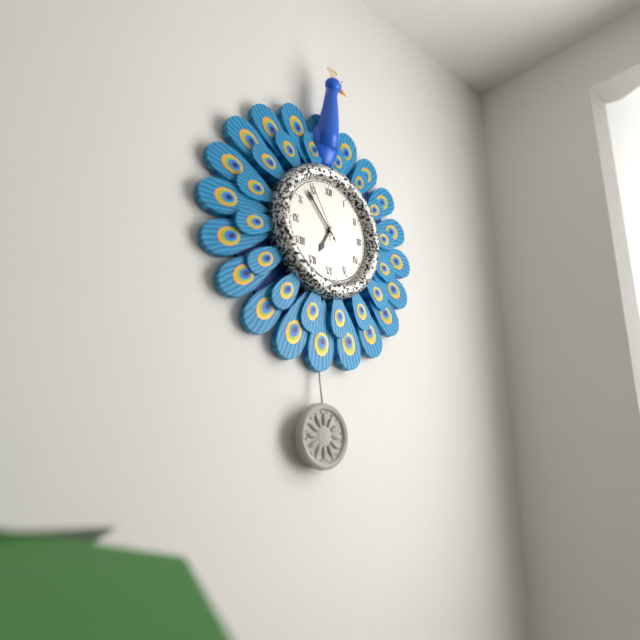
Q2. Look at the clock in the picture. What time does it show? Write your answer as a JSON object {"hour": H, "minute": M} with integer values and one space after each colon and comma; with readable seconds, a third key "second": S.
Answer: {"hour": 6, "minute": 53, "second": 55}
